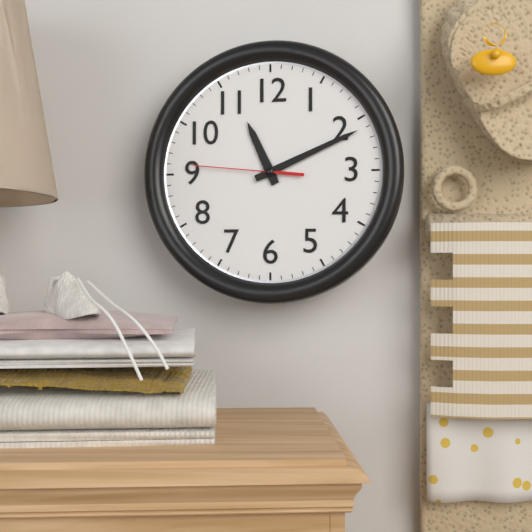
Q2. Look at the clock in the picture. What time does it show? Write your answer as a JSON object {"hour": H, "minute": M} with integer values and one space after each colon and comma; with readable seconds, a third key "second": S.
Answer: {"hour": 11, "minute": 11, "second": 46}
